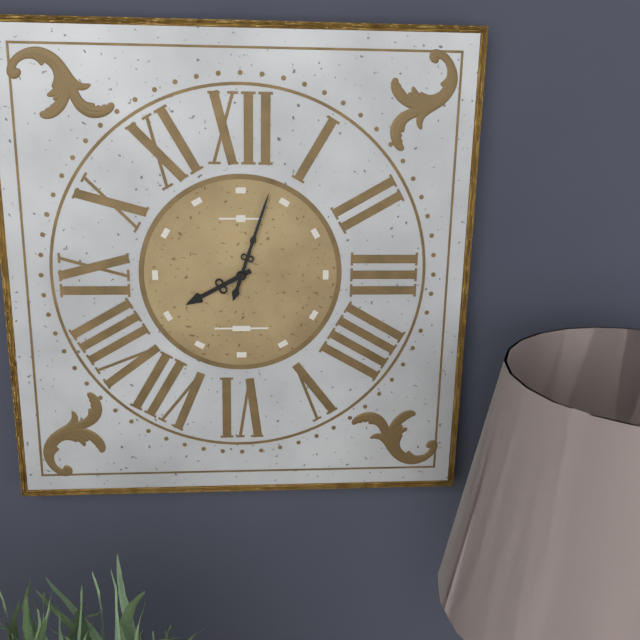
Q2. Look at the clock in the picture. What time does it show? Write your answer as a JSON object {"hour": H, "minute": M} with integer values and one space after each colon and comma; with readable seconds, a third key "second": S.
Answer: {"hour": 8, "minute": 3}
